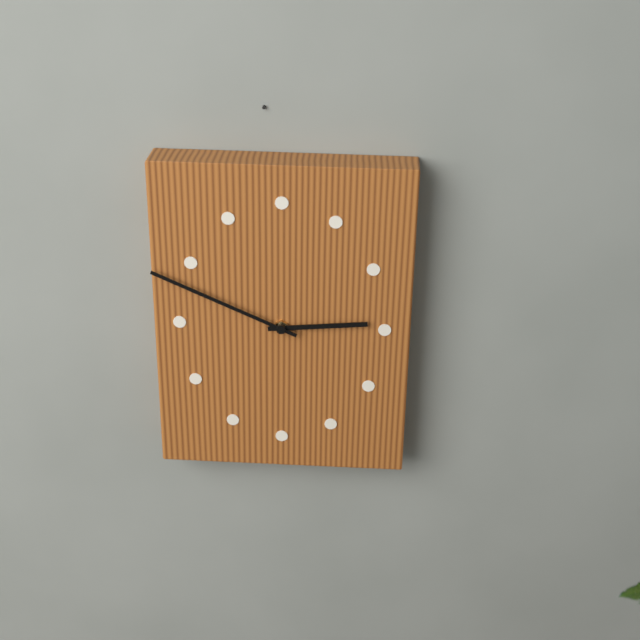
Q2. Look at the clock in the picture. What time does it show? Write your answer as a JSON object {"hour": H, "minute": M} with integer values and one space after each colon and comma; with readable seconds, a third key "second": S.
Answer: {"hour": 2, "minute": 49}
